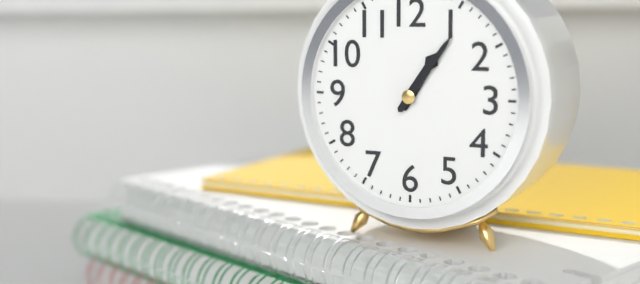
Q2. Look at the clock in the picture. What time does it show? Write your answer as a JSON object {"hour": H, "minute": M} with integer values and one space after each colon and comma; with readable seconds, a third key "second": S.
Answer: {"hour": 1, "minute": 6}
